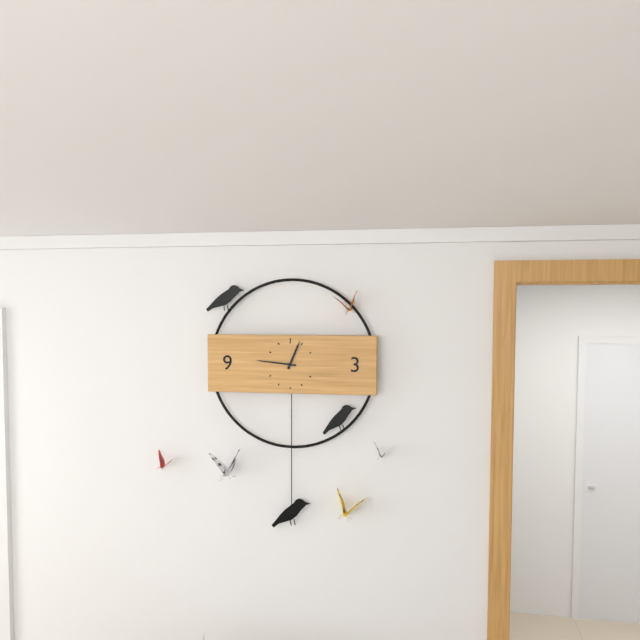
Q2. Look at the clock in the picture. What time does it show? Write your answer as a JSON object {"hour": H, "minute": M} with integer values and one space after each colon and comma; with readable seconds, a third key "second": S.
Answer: {"hour": 12, "minute": 46}
